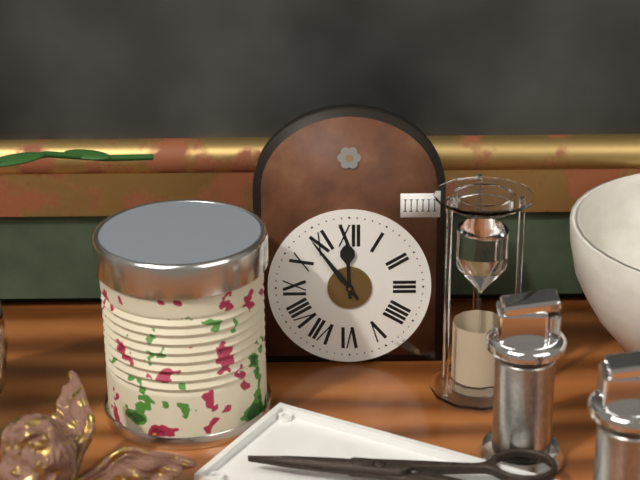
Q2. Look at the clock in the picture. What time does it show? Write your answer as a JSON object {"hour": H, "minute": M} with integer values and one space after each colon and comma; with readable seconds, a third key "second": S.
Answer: {"hour": 11, "minute": 54}
